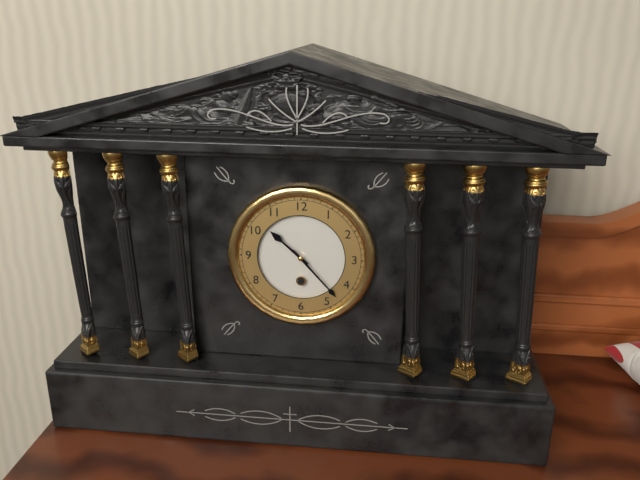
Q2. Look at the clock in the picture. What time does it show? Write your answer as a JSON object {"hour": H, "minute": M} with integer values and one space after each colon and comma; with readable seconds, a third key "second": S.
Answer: {"hour": 10, "minute": 23}
